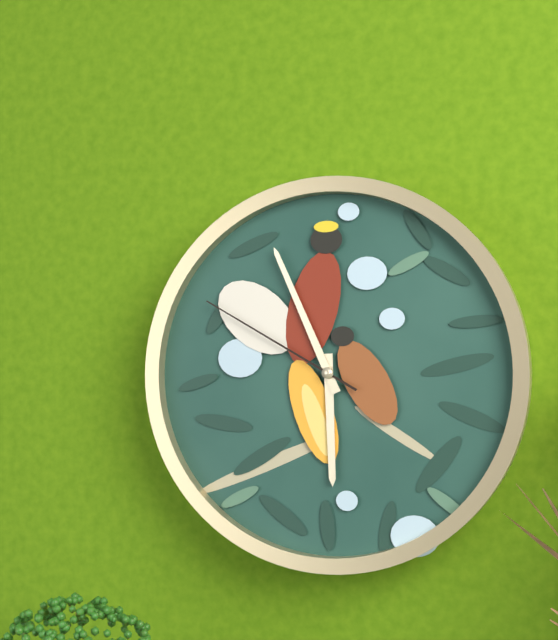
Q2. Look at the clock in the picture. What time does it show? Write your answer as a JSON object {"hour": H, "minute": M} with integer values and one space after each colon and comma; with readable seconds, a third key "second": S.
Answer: {"hour": 5, "minute": 56, "second": 50}
